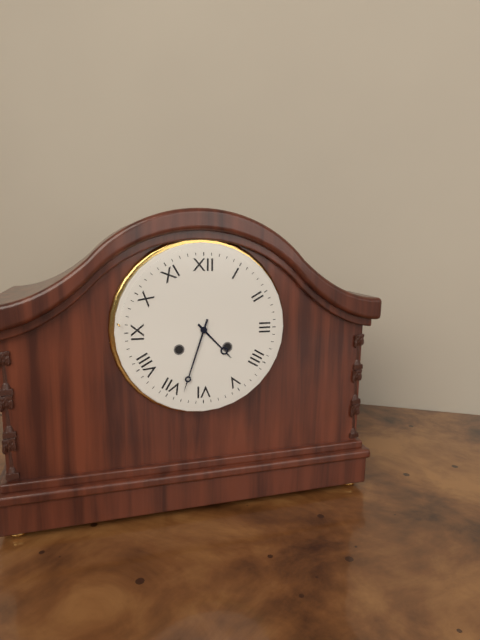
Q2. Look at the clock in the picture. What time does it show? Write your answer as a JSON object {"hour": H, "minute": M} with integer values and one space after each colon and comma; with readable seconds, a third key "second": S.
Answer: {"hour": 4, "minute": 33}
